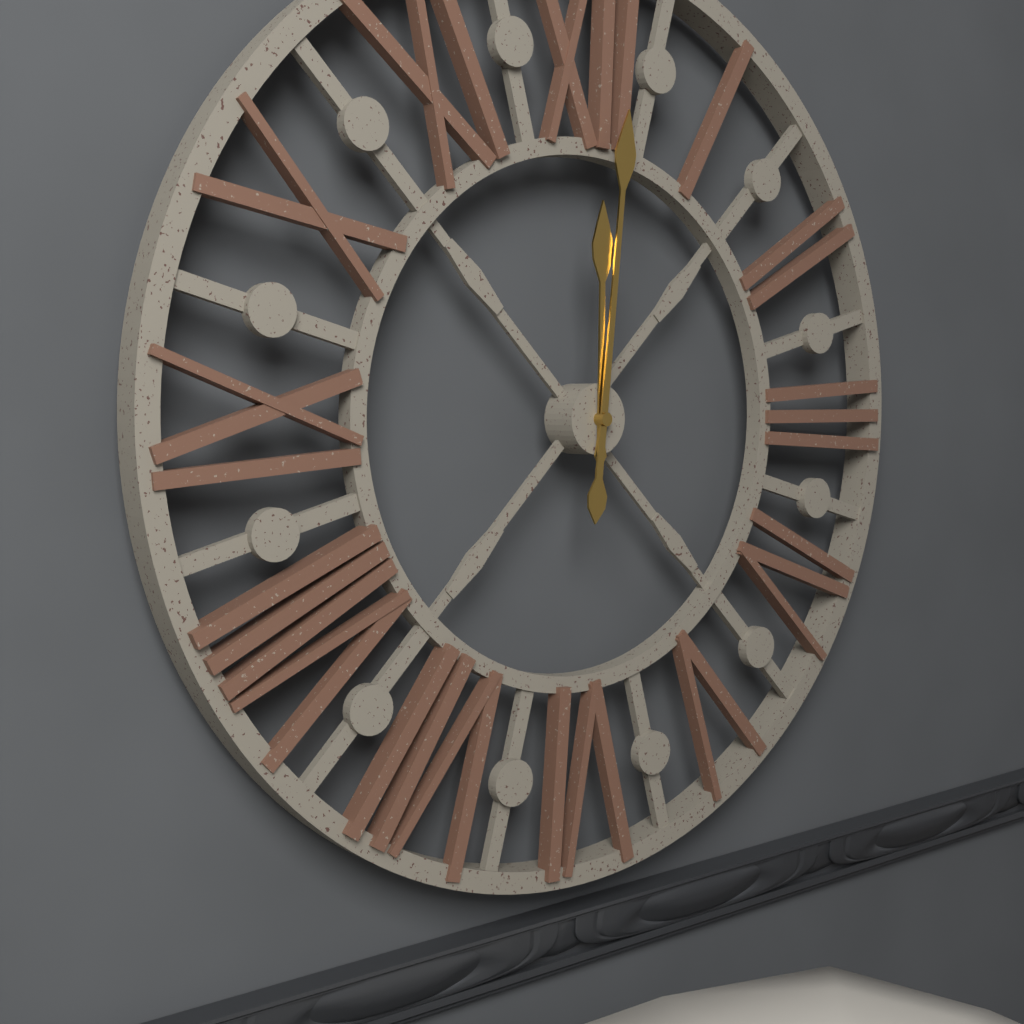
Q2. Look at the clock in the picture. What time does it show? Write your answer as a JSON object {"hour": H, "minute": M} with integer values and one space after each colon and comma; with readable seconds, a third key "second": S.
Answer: {"hour": 12, "minute": 1}
